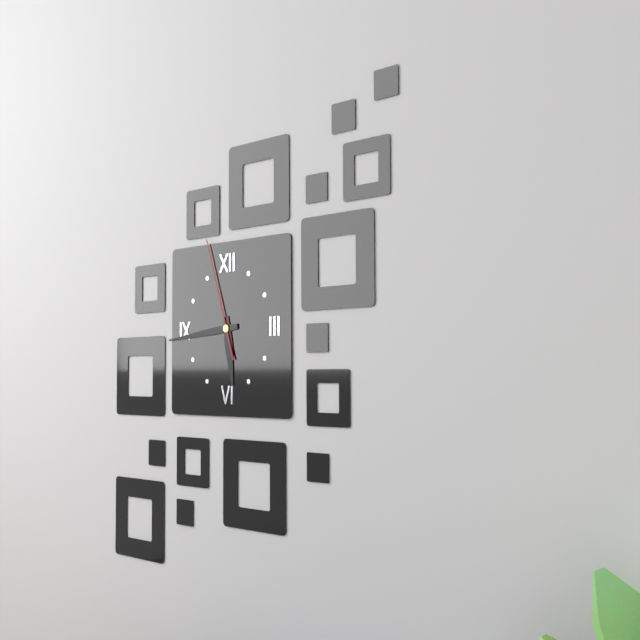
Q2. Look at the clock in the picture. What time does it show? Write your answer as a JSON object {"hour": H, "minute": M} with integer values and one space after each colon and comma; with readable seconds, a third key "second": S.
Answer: {"hour": 5, "minute": 44, "second": 57}
